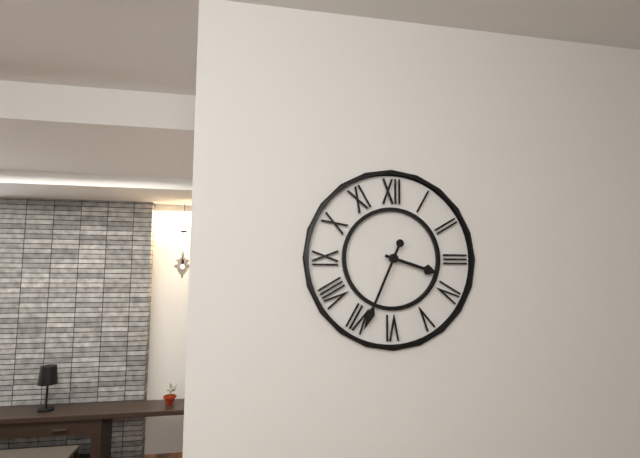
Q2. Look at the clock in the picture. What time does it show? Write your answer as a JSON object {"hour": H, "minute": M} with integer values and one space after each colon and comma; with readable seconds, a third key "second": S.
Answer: {"hour": 3, "minute": 34}
